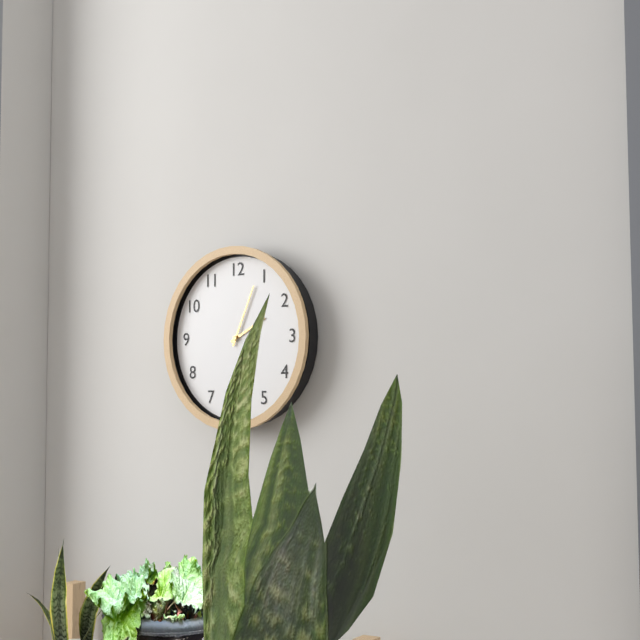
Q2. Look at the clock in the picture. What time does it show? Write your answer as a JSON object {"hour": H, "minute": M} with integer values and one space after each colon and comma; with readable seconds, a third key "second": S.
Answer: {"hour": 2, "minute": 4}
